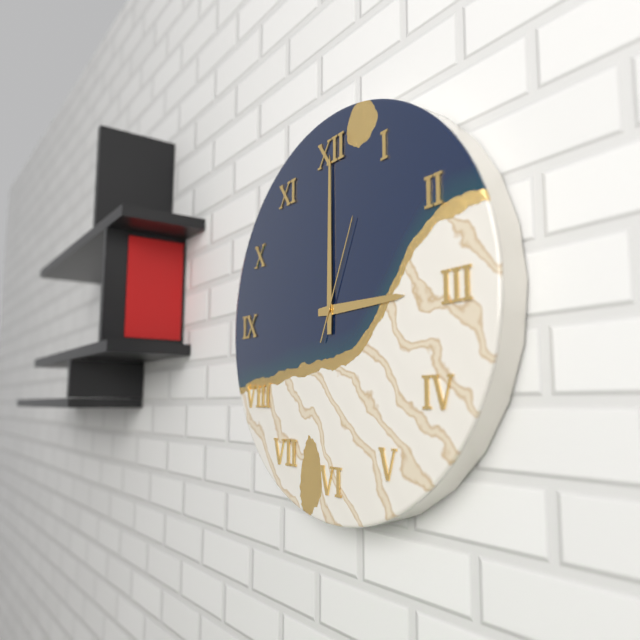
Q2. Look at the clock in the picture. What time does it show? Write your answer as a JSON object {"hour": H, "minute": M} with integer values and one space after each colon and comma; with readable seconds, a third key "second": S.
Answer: {"hour": 3, "minute": 0, "second": 4}
